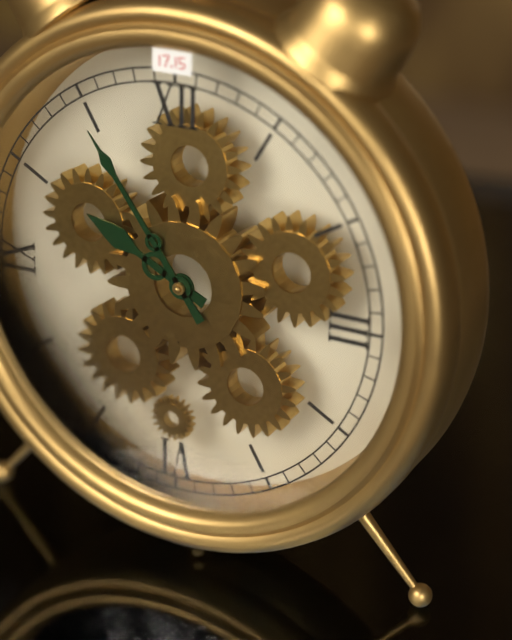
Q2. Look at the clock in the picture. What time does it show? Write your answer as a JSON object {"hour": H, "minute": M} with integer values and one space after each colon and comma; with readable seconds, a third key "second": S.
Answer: {"hour": 9, "minute": 54}
